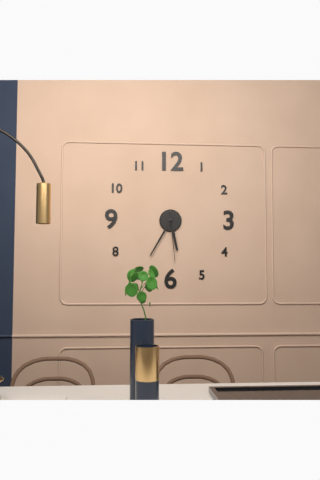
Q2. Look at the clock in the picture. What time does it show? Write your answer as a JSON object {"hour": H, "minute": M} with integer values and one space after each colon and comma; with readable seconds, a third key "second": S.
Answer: {"hour": 5, "minute": 35, "second": 29}
